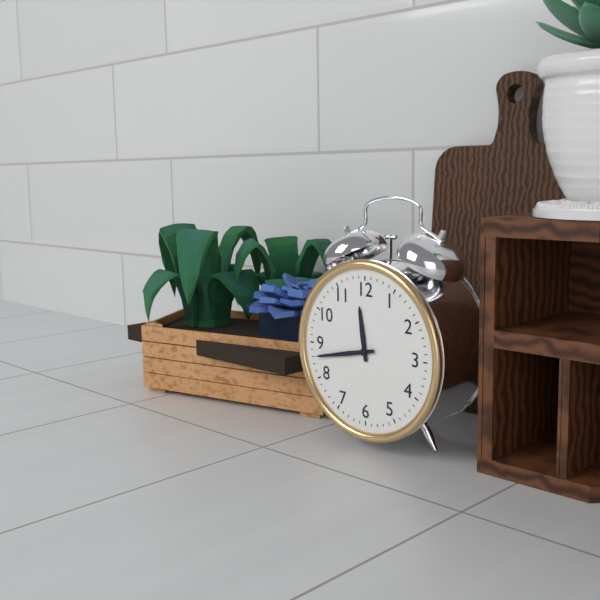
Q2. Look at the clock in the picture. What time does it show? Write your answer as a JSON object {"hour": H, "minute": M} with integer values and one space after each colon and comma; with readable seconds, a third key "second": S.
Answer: {"hour": 11, "minute": 43}
